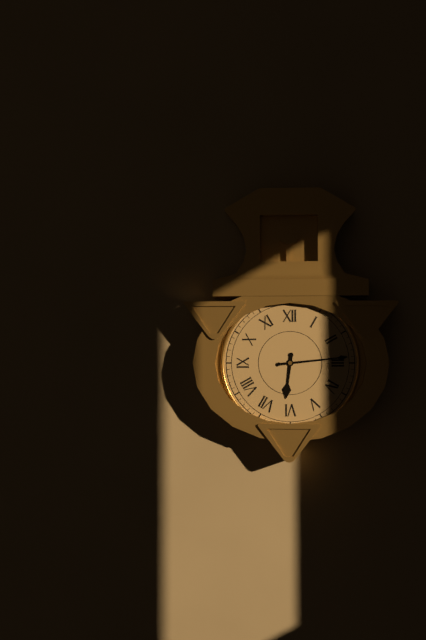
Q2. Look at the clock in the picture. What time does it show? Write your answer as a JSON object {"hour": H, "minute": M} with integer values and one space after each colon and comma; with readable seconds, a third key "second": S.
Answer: {"hour": 6, "minute": 14}
